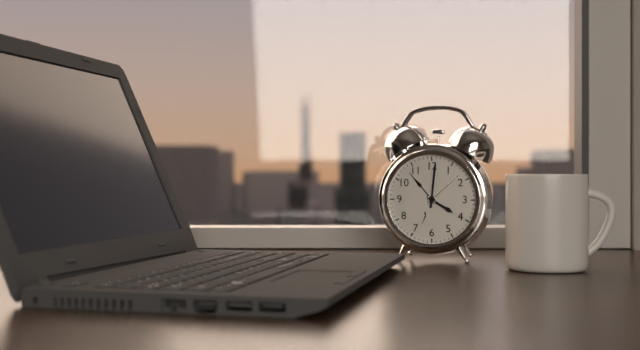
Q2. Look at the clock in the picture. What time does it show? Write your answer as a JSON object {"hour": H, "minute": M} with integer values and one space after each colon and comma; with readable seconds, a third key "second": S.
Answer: {"hour": 4, "minute": 1}
